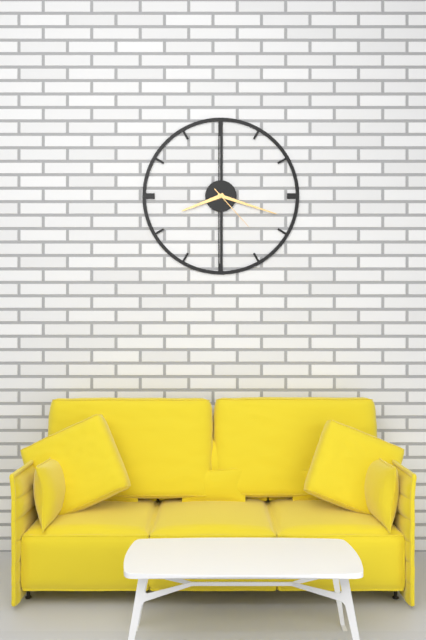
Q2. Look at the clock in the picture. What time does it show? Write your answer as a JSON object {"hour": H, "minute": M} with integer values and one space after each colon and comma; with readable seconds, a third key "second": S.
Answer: {"hour": 8, "minute": 18, "second": 23}
